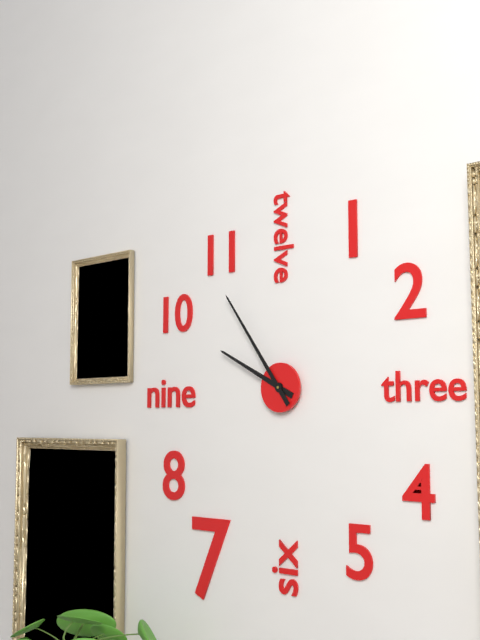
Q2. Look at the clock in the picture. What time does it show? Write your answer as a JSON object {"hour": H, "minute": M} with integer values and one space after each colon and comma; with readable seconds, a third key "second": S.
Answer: {"hour": 9, "minute": 54}
